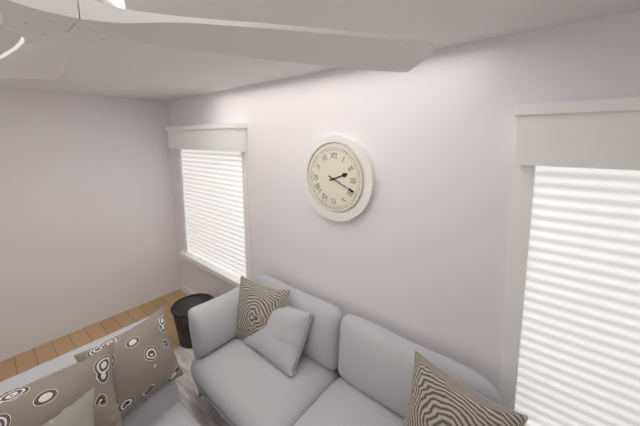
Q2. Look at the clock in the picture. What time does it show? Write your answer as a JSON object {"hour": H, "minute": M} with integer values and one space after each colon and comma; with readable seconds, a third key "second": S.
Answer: {"hour": 2, "minute": 19}
